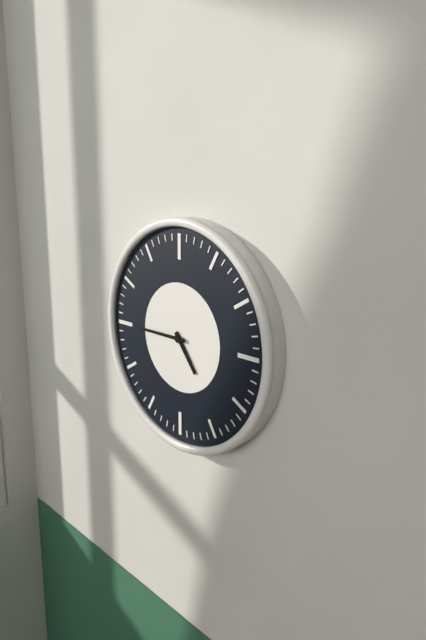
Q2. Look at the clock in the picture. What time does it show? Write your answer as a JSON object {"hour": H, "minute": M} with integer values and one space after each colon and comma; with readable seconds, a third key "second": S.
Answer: {"hour": 4, "minute": 45}
